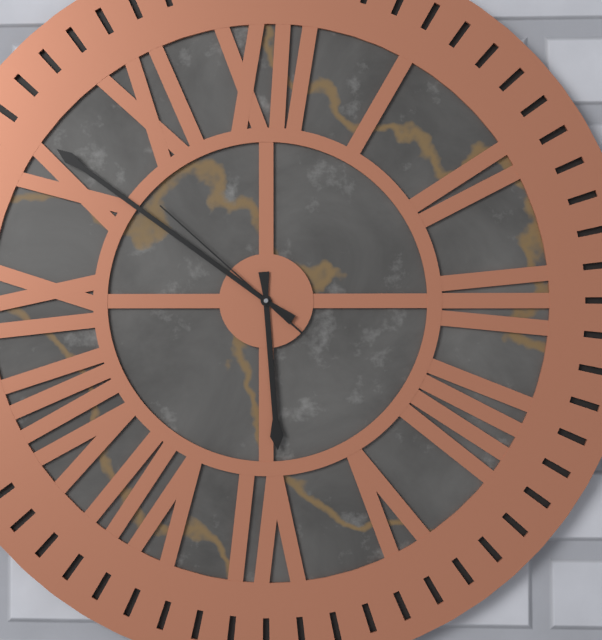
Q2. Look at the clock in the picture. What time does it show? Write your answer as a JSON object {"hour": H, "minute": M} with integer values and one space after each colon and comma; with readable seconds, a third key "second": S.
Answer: {"hour": 5, "minute": 51, "second": 52}
